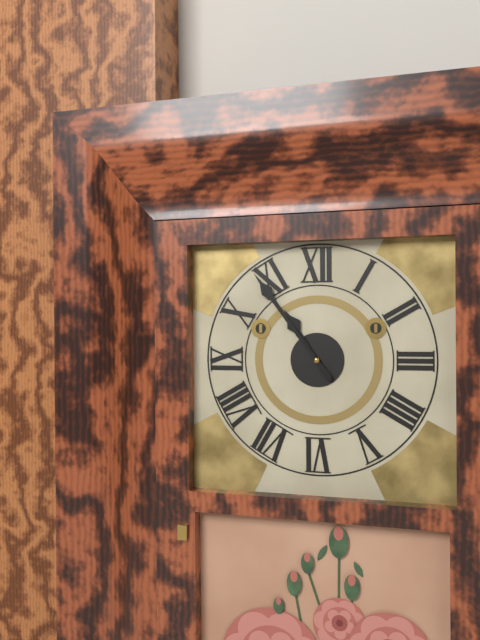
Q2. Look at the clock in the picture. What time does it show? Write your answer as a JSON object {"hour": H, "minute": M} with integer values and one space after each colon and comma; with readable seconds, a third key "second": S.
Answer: {"hour": 10, "minute": 54}
